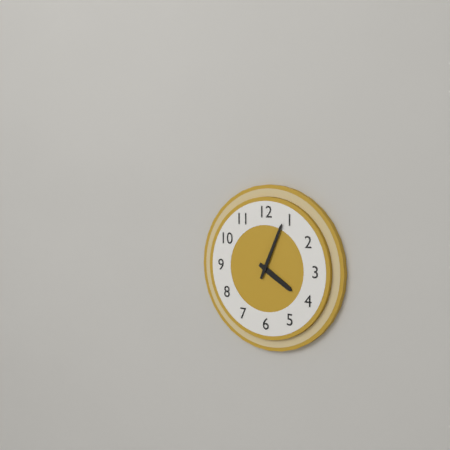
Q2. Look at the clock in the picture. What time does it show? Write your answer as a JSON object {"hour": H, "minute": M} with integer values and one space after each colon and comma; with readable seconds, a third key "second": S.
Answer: {"hour": 4, "minute": 4}
